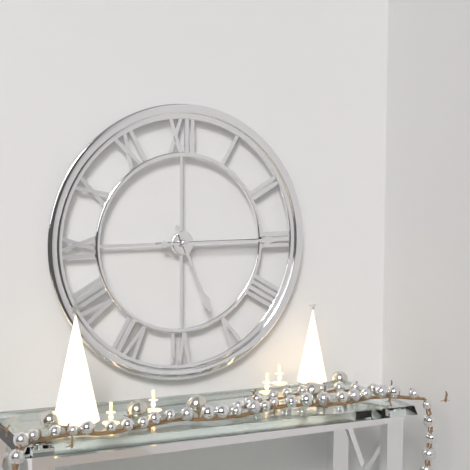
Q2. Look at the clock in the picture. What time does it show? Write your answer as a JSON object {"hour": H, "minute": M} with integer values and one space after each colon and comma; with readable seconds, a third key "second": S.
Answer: {"hour": 5, "minute": 15}
